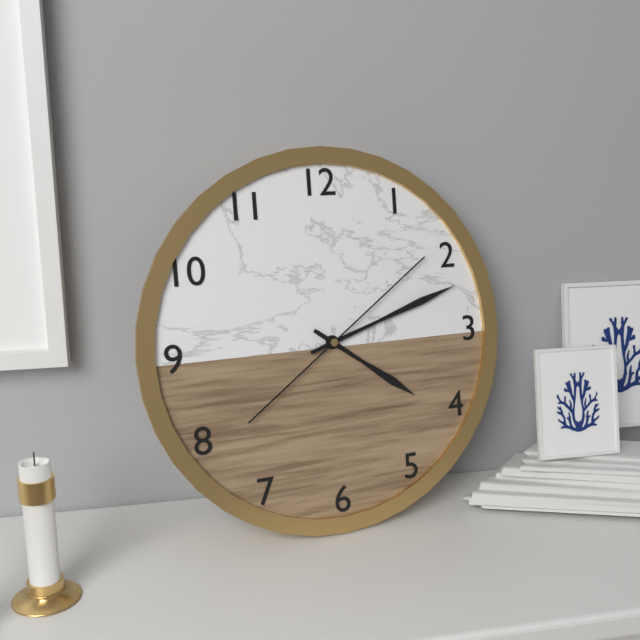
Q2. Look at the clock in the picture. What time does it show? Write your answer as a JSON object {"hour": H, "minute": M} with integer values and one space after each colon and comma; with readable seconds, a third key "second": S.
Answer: {"hour": 4, "minute": 12, "second": 9}
